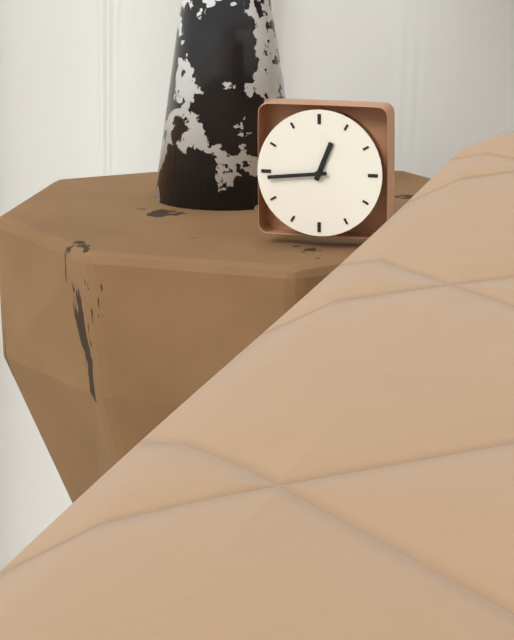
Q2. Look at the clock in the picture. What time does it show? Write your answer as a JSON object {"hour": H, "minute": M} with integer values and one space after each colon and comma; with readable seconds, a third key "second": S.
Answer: {"hour": 12, "minute": 44}
